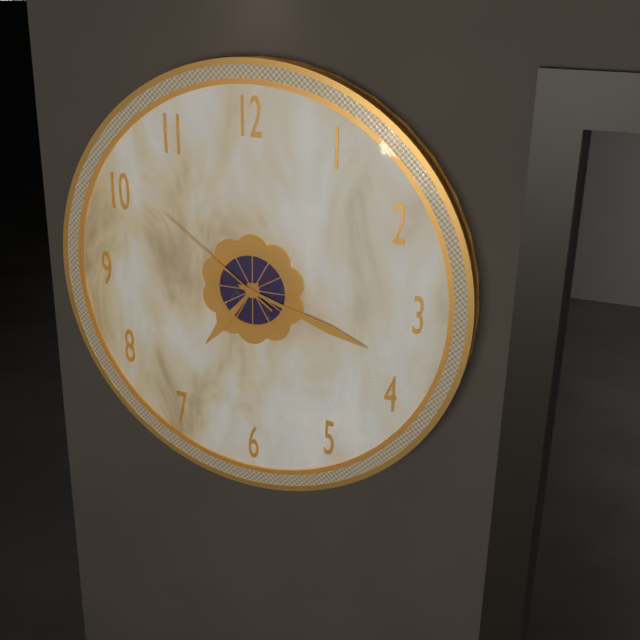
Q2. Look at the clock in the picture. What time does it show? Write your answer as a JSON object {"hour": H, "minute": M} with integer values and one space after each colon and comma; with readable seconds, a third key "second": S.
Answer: {"hour": 7, "minute": 18, "second": 51}
